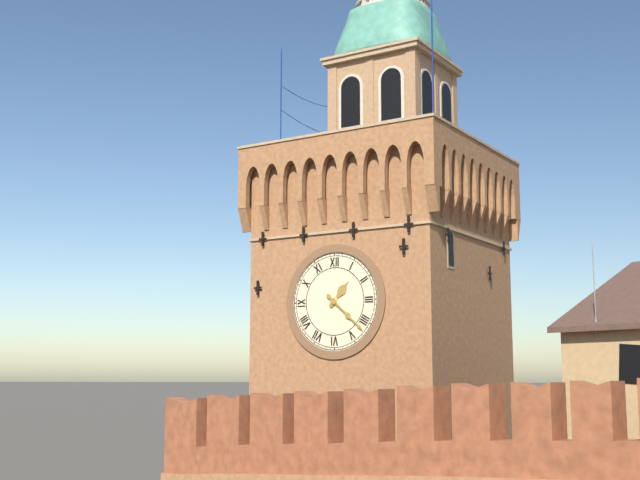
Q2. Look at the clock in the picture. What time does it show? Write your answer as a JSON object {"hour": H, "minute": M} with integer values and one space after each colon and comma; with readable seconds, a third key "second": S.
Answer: {"hour": 1, "minute": 22}
